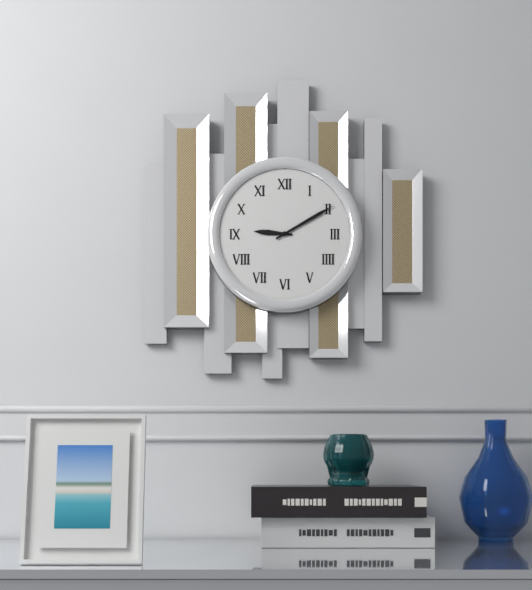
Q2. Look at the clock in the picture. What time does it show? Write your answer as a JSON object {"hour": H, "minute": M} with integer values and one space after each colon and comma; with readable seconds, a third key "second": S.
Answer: {"hour": 9, "minute": 10}
